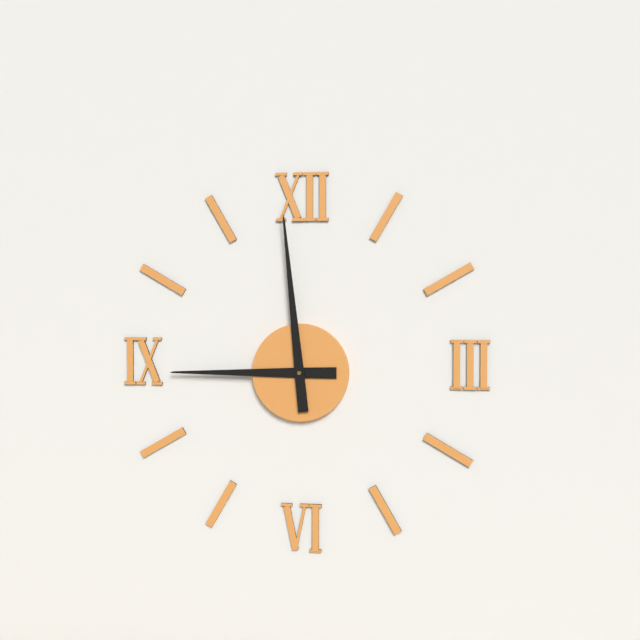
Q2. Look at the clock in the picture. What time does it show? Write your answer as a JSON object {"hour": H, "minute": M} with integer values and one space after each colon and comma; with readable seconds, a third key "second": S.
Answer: {"hour": 8, "minute": 59}
